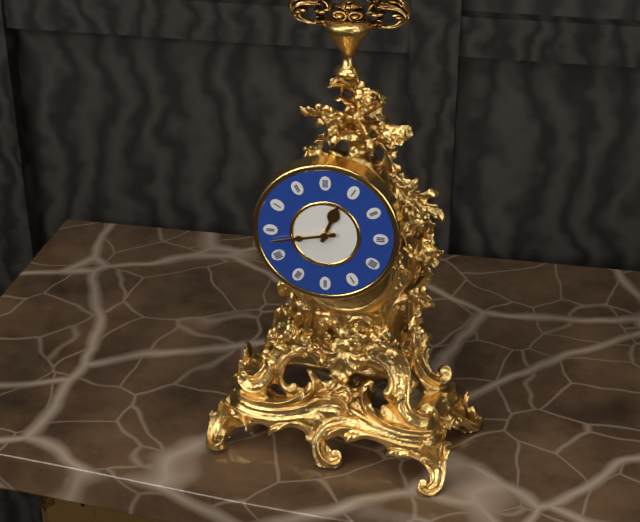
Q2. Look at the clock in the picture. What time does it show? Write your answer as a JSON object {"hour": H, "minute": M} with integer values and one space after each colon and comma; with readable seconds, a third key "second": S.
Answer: {"hour": 12, "minute": 43}
